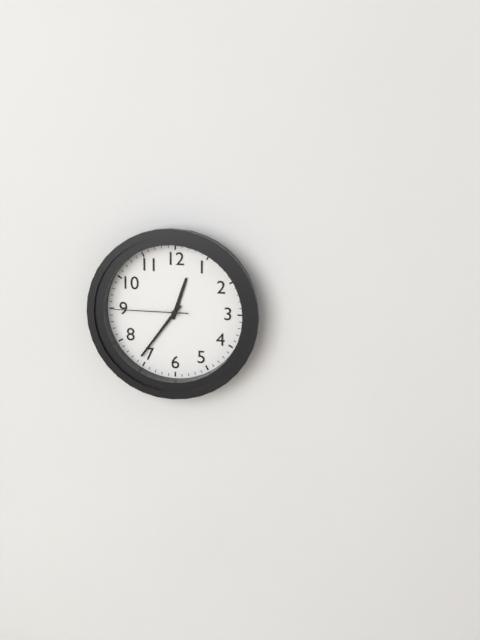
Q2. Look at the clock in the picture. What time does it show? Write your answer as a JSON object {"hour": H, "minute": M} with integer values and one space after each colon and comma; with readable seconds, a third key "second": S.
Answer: {"hour": 12, "minute": 36, "second": 45}
